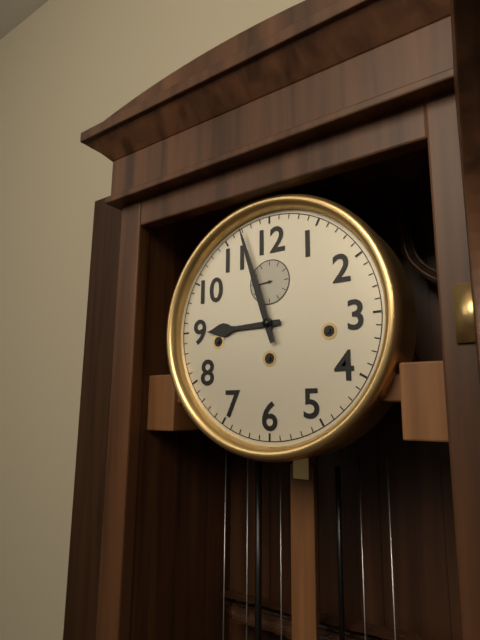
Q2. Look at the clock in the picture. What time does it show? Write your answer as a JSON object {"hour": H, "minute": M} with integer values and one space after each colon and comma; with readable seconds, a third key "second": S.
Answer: {"hour": 8, "minute": 57}
